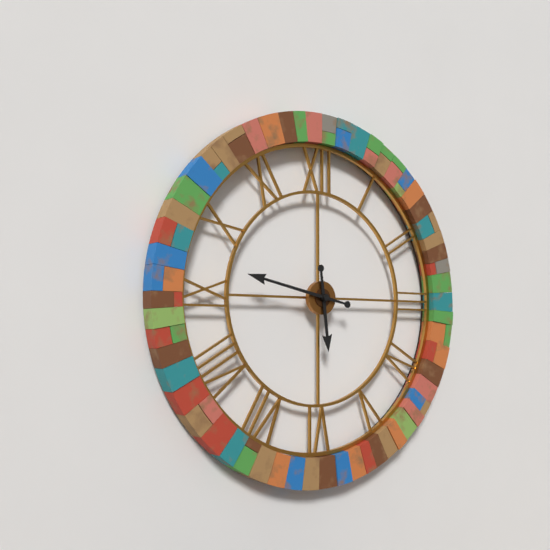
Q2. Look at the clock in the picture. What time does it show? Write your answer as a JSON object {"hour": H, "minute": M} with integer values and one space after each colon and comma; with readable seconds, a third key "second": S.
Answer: {"hour": 5, "minute": 47}
